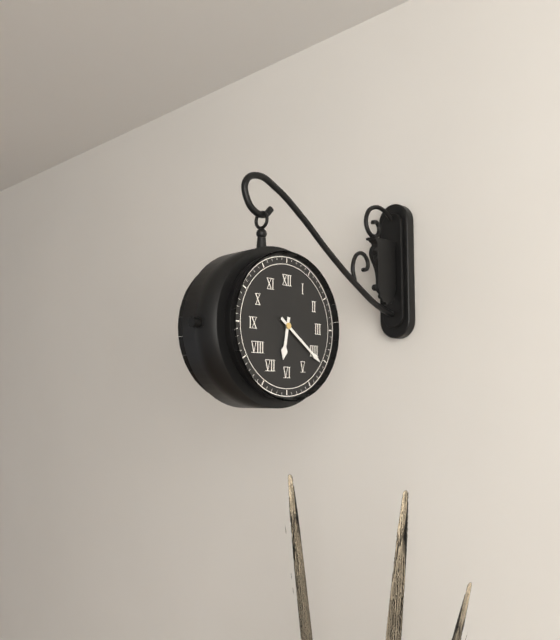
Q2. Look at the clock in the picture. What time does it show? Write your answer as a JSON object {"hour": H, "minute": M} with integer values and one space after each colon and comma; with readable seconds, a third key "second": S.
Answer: {"hour": 6, "minute": 21}
